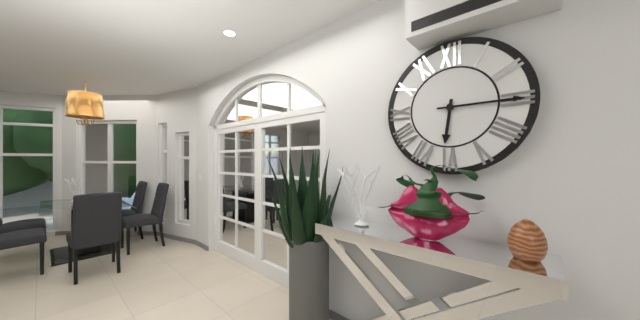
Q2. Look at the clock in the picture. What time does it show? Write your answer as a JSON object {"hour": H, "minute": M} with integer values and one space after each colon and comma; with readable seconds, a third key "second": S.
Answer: {"hour": 6, "minute": 15}
